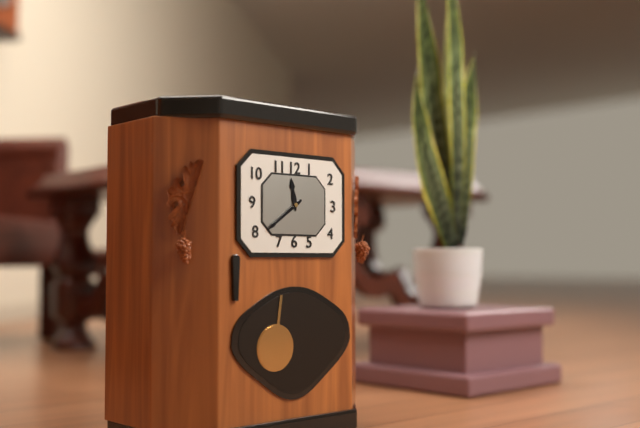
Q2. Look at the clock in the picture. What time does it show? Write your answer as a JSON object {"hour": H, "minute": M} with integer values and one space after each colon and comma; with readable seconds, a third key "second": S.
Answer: {"hour": 11, "minute": 39}
